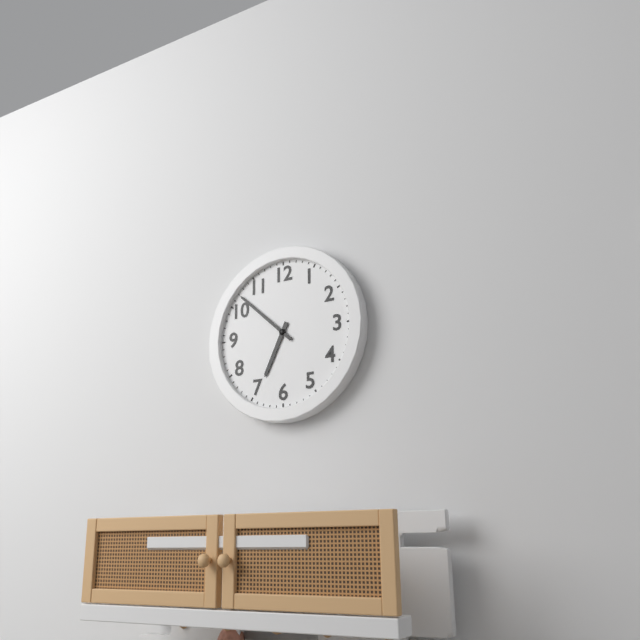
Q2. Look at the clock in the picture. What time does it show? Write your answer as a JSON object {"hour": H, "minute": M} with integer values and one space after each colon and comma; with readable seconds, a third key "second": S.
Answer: {"hour": 6, "minute": 52}
